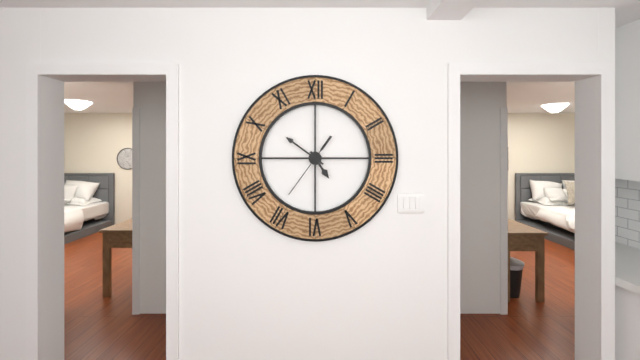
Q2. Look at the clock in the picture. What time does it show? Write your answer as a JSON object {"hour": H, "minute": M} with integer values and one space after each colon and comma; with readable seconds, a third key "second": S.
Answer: {"hour": 4, "minute": 51, "second": 36}
